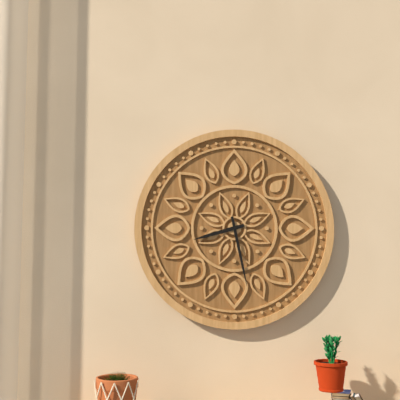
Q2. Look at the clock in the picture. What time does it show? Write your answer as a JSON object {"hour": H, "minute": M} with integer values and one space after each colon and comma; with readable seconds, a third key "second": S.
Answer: {"hour": 8, "minute": 28}
